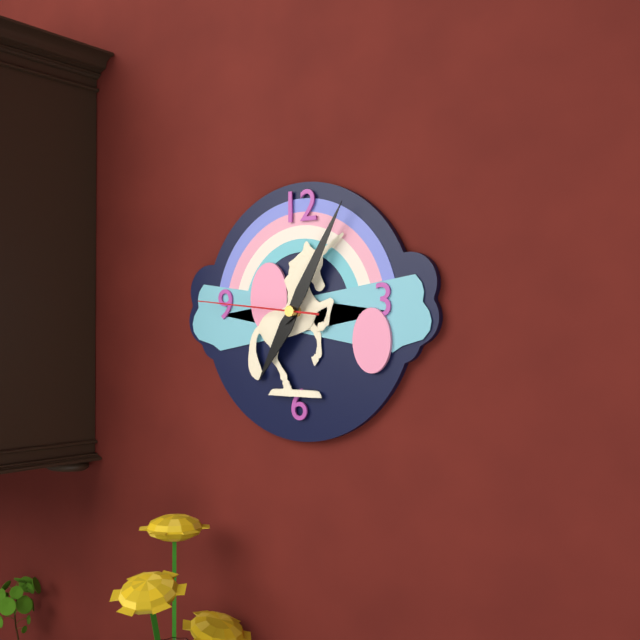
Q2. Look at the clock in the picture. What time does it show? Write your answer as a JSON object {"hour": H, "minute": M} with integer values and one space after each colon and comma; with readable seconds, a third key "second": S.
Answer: {"hour": 7, "minute": 5, "second": 46}
